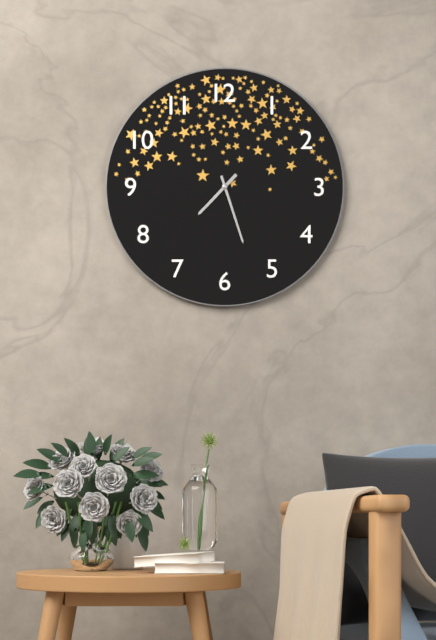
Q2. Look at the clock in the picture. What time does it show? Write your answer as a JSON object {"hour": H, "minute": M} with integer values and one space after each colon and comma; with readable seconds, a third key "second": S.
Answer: {"hour": 7, "minute": 27}
